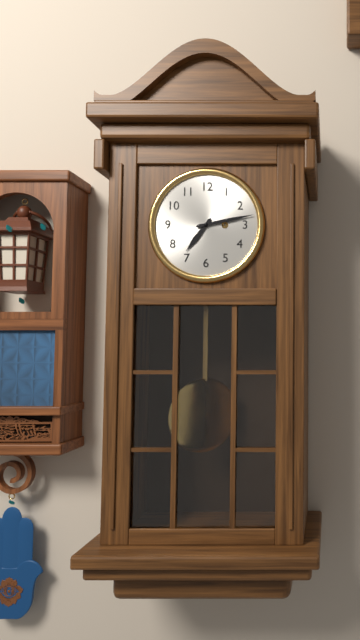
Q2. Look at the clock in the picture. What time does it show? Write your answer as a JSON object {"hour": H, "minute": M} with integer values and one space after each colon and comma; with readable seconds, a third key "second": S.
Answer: {"hour": 7, "minute": 13}
